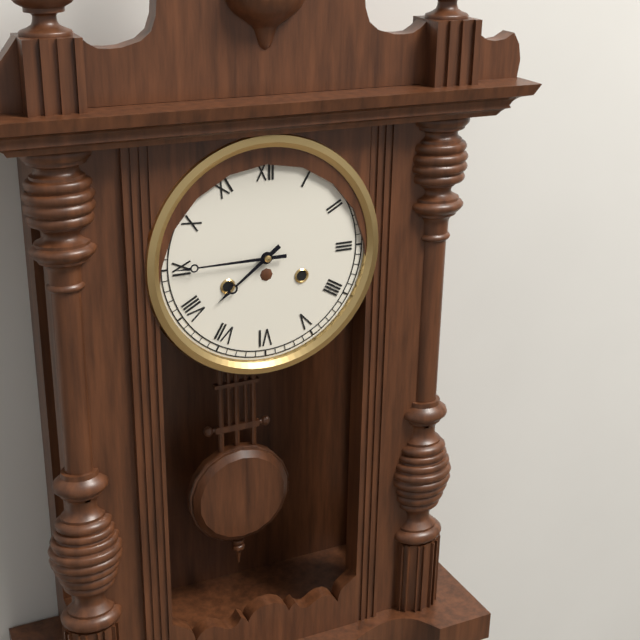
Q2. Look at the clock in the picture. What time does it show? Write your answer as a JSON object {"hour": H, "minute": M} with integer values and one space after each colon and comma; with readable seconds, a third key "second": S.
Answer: {"hour": 7, "minute": 45}
